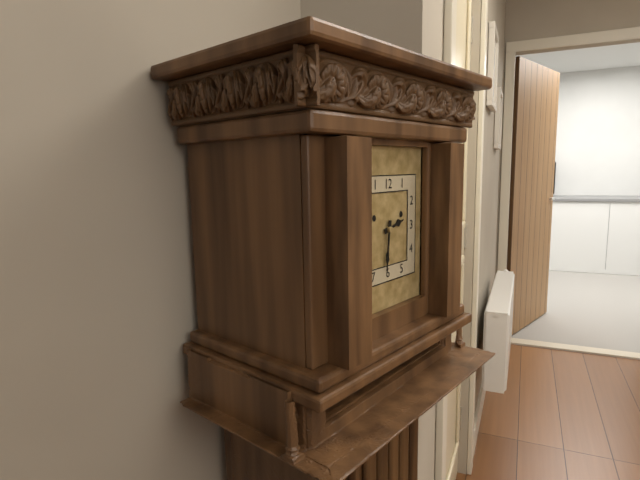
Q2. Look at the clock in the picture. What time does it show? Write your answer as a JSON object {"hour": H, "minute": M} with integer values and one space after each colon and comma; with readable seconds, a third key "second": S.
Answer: {"hour": 2, "minute": 31}
